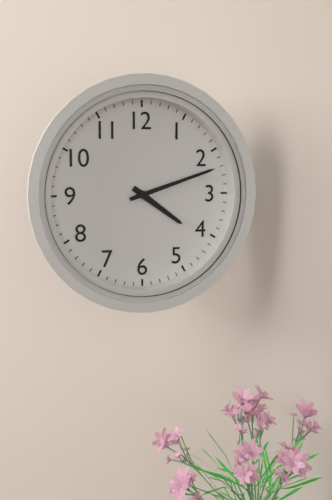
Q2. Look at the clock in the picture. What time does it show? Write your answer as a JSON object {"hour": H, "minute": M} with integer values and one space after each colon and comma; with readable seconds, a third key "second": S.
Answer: {"hour": 4, "minute": 12}
